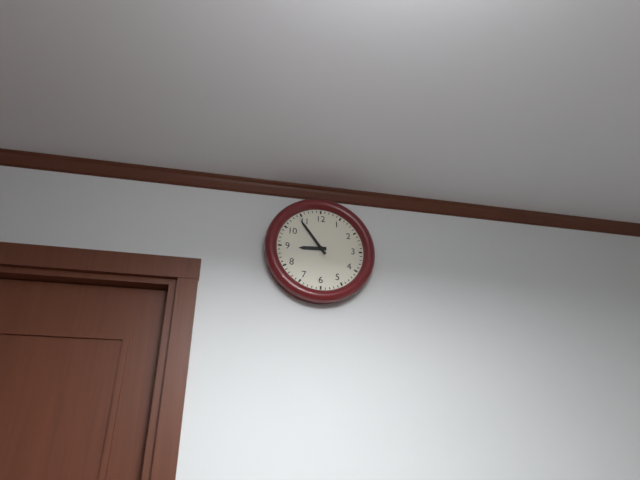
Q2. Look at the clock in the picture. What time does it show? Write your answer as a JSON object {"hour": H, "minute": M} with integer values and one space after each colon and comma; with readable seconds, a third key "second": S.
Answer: {"hour": 8, "minute": 54}
